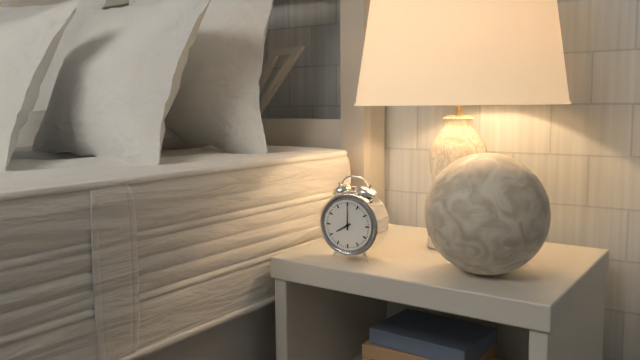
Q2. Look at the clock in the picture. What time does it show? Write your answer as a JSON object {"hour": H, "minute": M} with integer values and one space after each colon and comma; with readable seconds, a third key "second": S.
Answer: {"hour": 8, "minute": 0}
